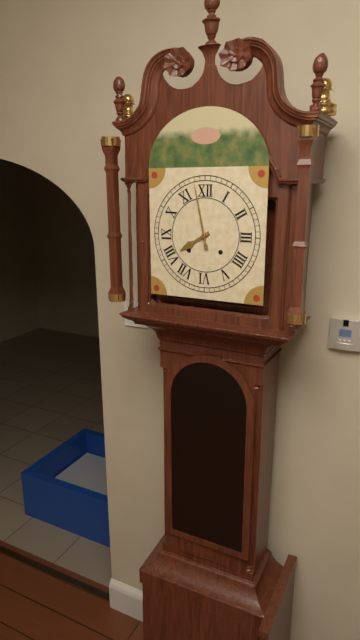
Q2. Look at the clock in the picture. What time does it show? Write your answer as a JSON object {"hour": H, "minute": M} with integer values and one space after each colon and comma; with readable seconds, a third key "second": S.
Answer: {"hour": 7, "minute": 58}
